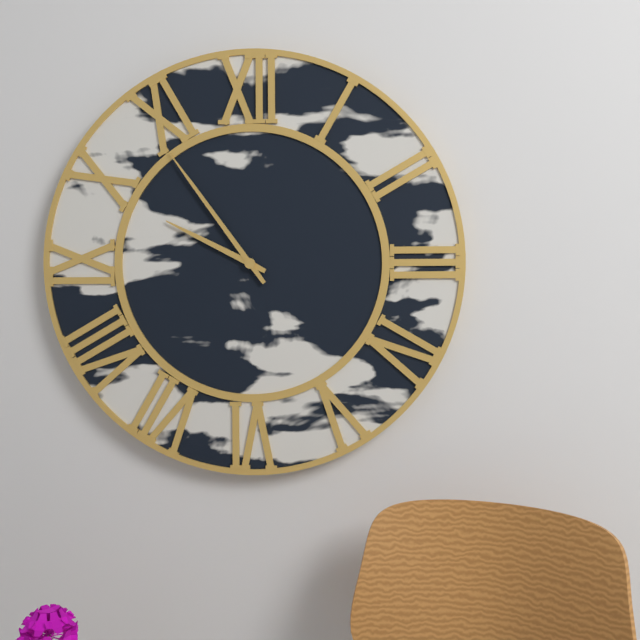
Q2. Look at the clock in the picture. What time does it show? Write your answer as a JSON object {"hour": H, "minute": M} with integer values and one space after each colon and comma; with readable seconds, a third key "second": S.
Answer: {"hour": 9, "minute": 54}
